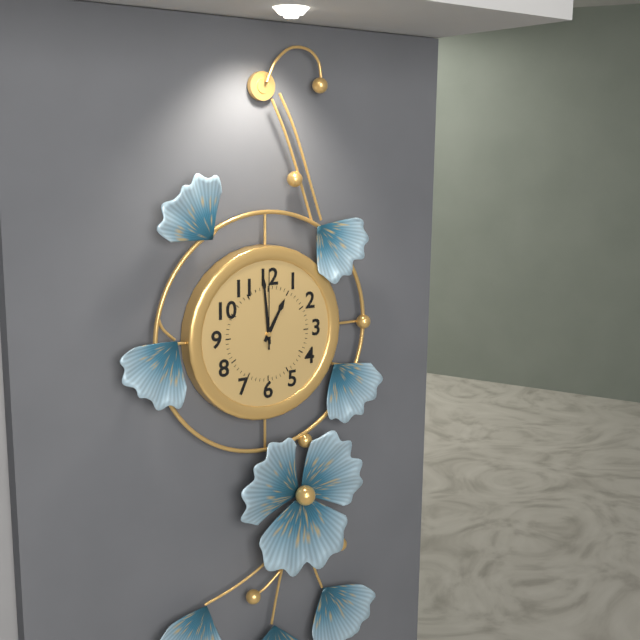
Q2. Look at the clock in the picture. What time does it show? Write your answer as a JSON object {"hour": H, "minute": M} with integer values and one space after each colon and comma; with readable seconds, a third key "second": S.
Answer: {"hour": 12, "minute": 59, "second": 0}
